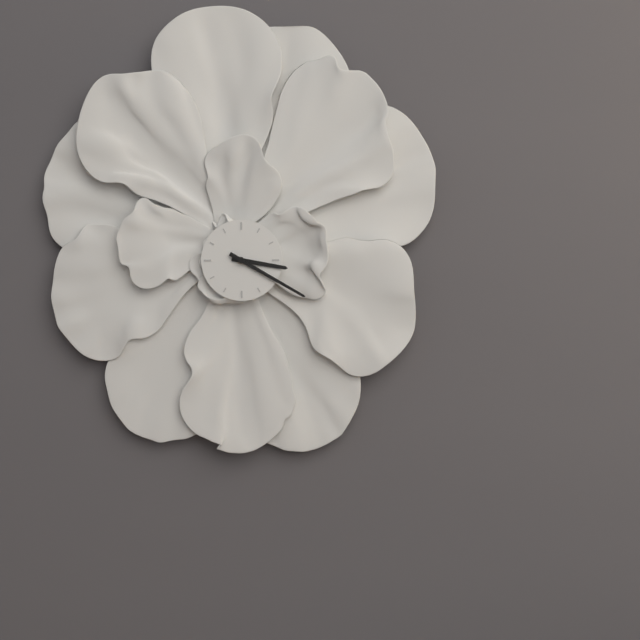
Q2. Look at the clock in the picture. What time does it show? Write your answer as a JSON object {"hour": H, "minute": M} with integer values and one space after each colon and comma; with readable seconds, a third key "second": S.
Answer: {"hour": 3, "minute": 20}
